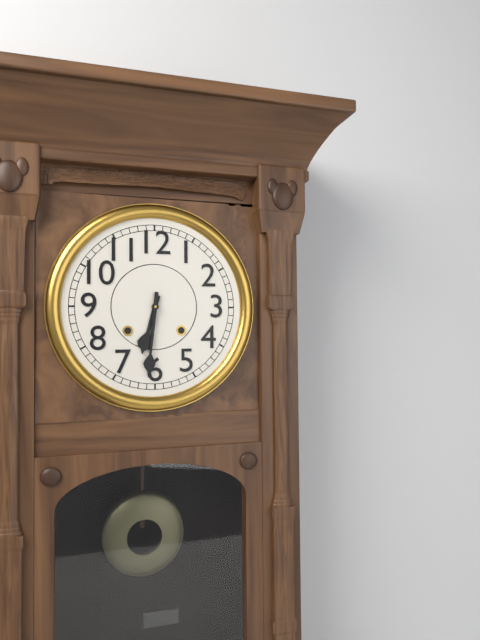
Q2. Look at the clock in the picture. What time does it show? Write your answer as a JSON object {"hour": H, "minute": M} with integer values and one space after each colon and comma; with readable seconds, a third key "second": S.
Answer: {"hour": 6, "minute": 31}
